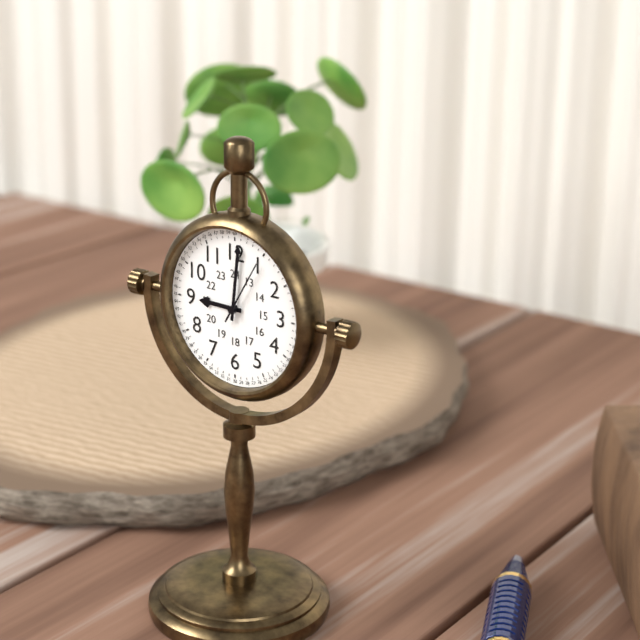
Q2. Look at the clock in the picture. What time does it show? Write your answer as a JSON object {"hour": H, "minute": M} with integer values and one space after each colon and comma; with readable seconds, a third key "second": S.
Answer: {"hour": 9, "minute": 1, "second": 5}
